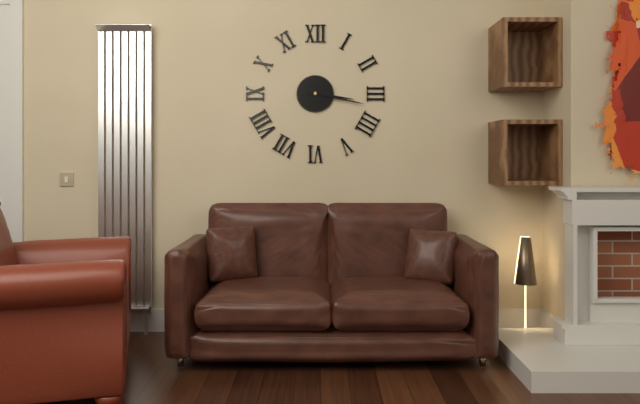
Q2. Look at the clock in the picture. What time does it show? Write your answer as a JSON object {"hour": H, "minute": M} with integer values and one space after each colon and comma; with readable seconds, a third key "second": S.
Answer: {"hour": 3, "minute": 17}
